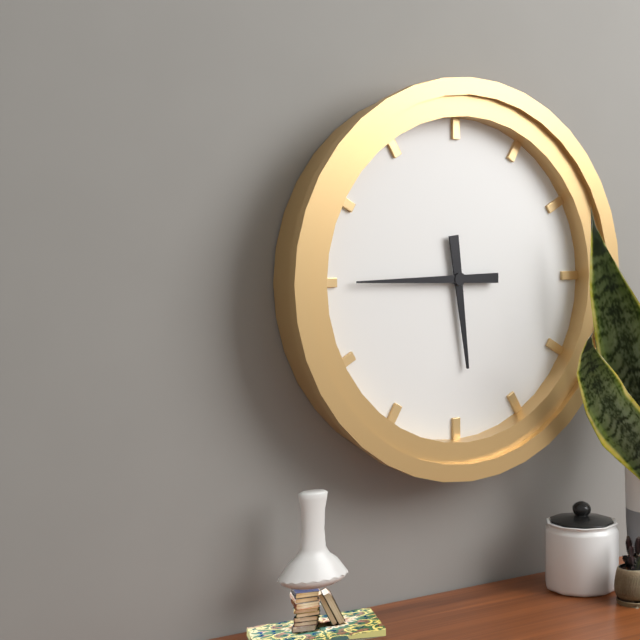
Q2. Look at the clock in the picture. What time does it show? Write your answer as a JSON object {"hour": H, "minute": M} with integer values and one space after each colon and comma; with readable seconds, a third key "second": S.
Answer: {"hour": 5, "minute": 45}
